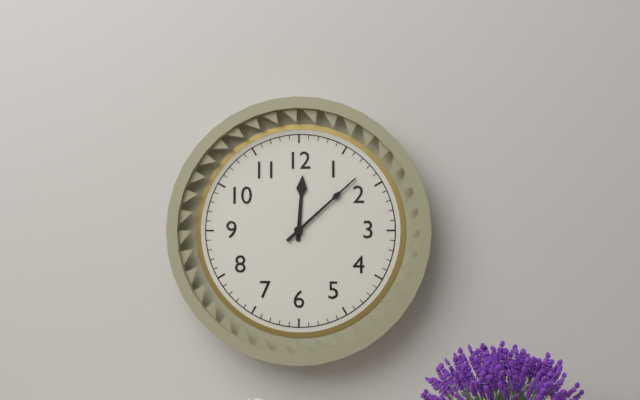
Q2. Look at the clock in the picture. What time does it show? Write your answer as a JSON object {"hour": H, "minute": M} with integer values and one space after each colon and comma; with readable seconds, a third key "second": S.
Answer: {"hour": 12, "minute": 8}
